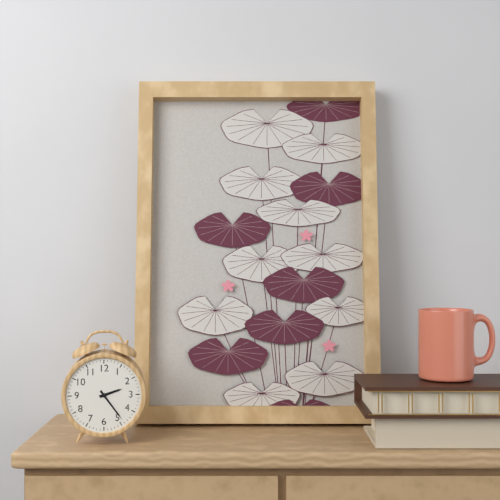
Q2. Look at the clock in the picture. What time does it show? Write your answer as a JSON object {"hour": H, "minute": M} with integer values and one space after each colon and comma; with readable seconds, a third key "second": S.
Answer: {"hour": 2, "minute": 24}
